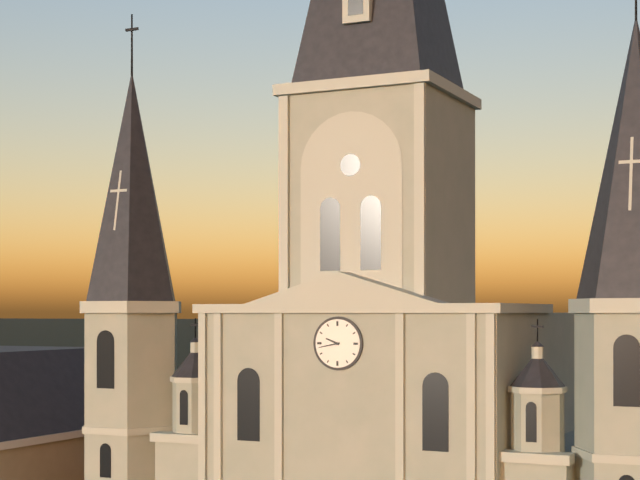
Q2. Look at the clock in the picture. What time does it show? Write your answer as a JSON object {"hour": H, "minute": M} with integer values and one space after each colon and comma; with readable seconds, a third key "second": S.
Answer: {"hour": 9, "minute": 43}
